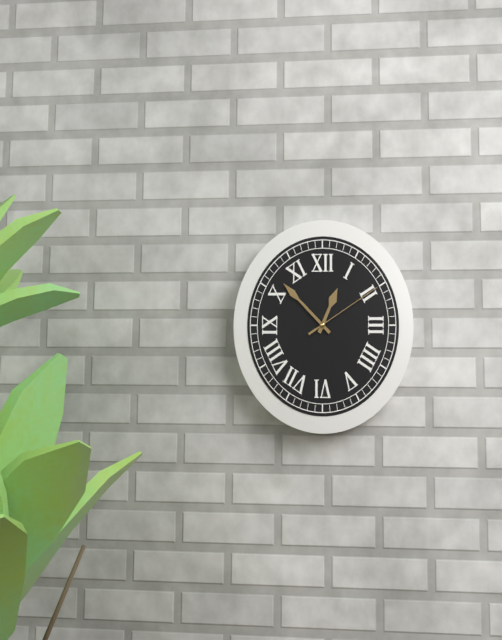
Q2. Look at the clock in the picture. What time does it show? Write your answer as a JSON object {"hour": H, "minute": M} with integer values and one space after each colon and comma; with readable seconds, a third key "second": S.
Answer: {"hour": 12, "minute": 52, "second": 10}
